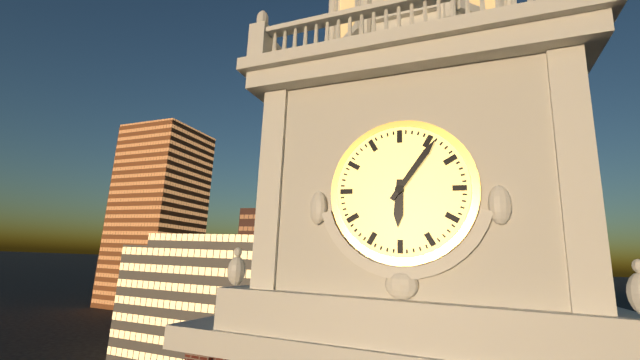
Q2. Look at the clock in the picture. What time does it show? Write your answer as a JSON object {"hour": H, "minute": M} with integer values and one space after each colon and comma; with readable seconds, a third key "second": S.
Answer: {"hour": 6, "minute": 6}
